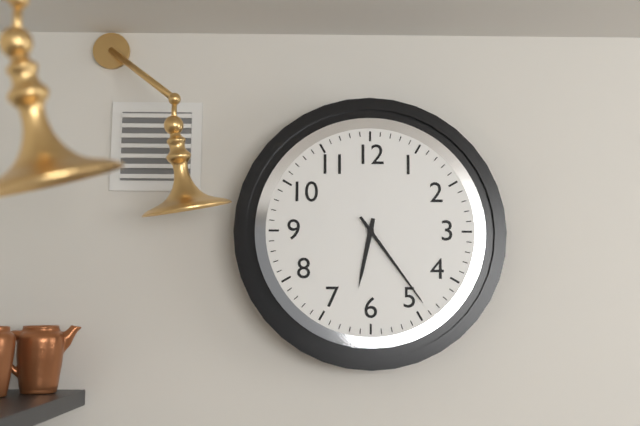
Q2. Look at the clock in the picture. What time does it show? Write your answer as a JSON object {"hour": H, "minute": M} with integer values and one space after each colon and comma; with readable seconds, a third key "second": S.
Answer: {"hour": 6, "minute": 24}
